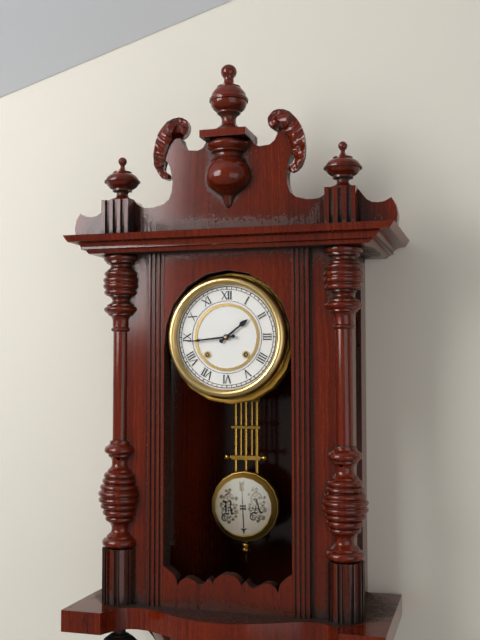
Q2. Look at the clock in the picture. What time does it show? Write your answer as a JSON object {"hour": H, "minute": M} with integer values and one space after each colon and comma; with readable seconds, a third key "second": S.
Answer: {"hour": 1, "minute": 44}
